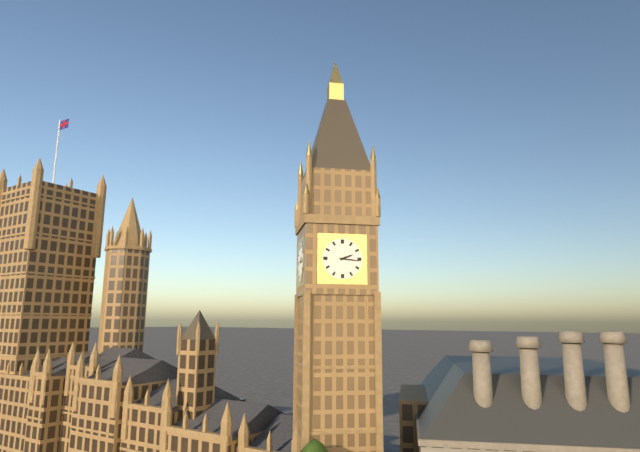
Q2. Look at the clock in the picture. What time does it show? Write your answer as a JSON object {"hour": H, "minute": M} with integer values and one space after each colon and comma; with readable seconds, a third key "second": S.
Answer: {"hour": 2, "minute": 16}
